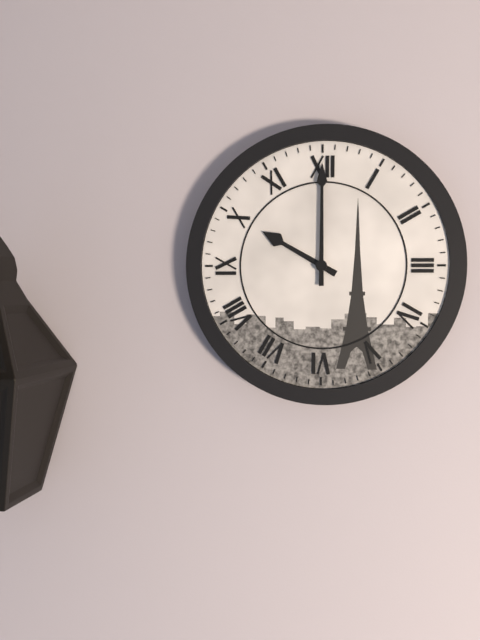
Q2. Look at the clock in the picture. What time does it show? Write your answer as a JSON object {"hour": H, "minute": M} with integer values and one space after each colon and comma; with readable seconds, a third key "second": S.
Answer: {"hour": 10, "minute": 0}
